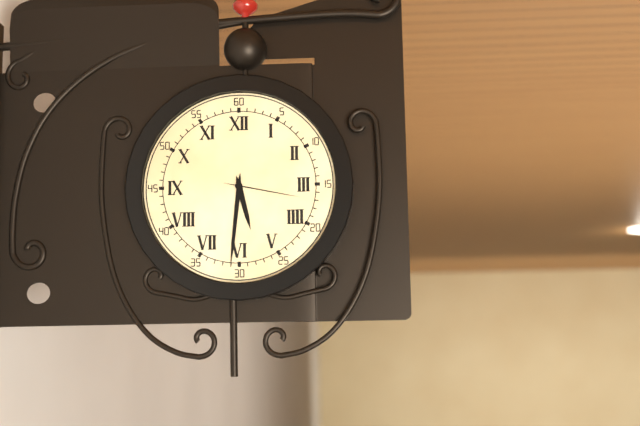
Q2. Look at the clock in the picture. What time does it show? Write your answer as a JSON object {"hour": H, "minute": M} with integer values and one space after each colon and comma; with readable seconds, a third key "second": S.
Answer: {"hour": 5, "minute": 31, "second": 17}
